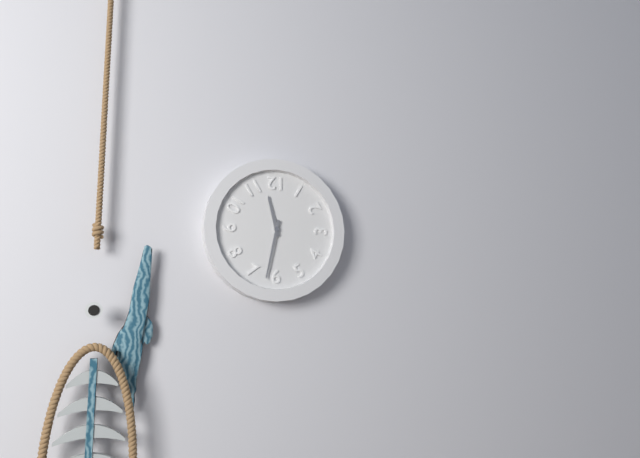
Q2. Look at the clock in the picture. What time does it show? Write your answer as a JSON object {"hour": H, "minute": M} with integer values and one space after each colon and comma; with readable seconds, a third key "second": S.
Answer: {"hour": 11, "minute": 32}
